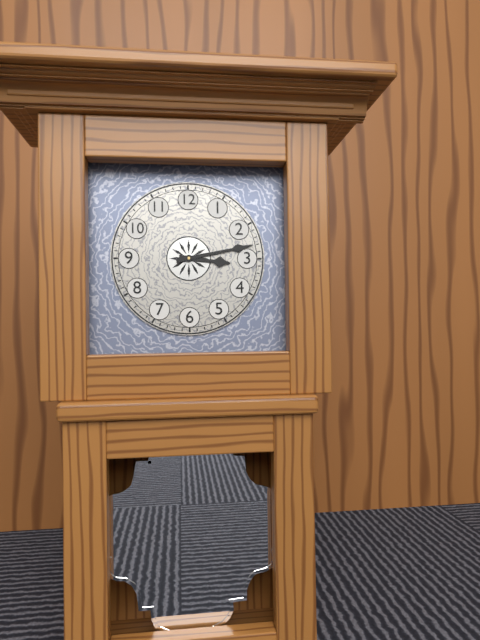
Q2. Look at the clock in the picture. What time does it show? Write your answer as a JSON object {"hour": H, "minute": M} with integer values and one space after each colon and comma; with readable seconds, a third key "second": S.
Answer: {"hour": 3, "minute": 13}
